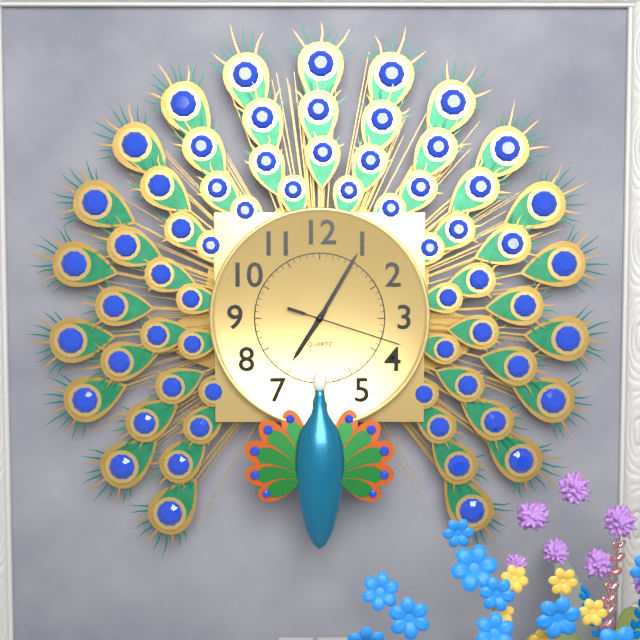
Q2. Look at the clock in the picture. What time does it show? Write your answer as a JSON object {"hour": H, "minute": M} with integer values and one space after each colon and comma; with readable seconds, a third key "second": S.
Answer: {"hour": 7, "minute": 5, "second": 18}
